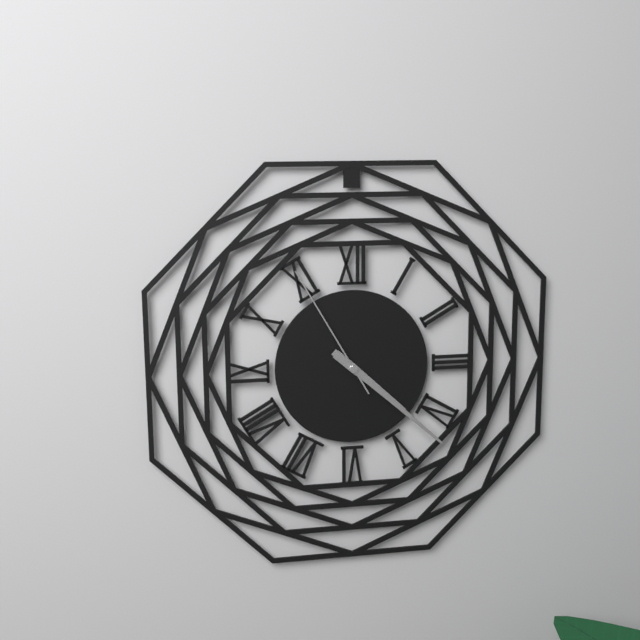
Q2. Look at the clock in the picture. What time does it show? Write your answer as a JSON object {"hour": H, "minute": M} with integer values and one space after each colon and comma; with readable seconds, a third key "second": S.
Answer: {"hour": 4, "minute": 22, "second": 55}
